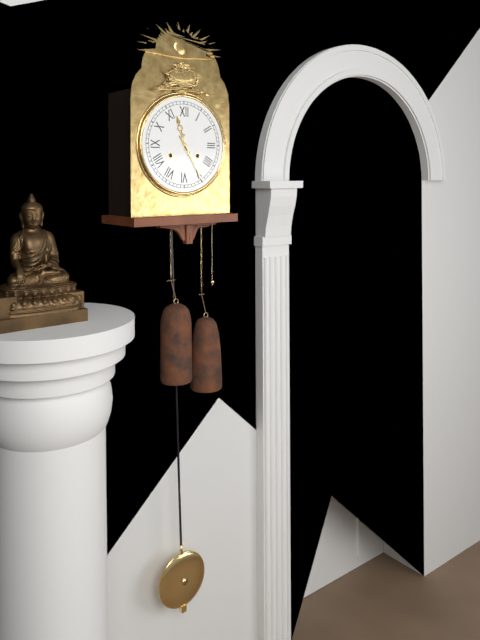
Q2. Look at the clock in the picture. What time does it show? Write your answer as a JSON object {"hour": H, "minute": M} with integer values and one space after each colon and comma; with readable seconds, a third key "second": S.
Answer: {"hour": 11, "minute": 25}
